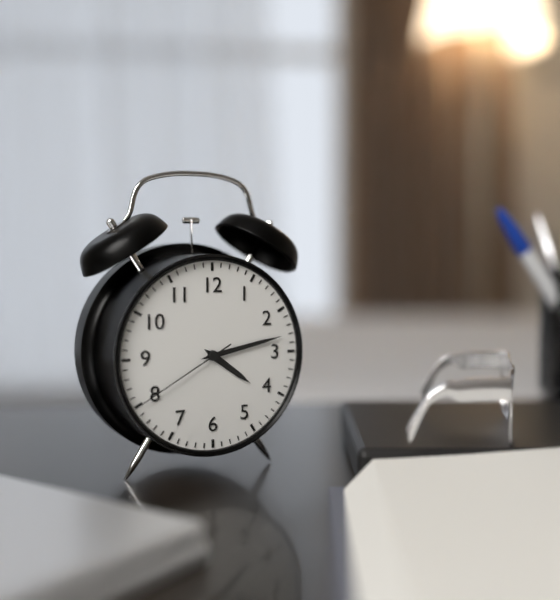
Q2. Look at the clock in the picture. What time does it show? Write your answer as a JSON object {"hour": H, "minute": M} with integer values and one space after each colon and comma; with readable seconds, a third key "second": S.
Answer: {"hour": 4, "minute": 13, "second": 40}
